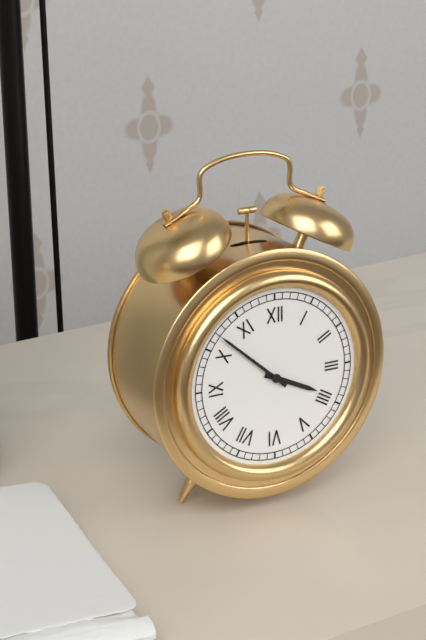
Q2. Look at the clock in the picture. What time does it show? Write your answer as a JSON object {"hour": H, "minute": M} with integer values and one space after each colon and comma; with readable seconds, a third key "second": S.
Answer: {"hour": 3, "minute": 52}
